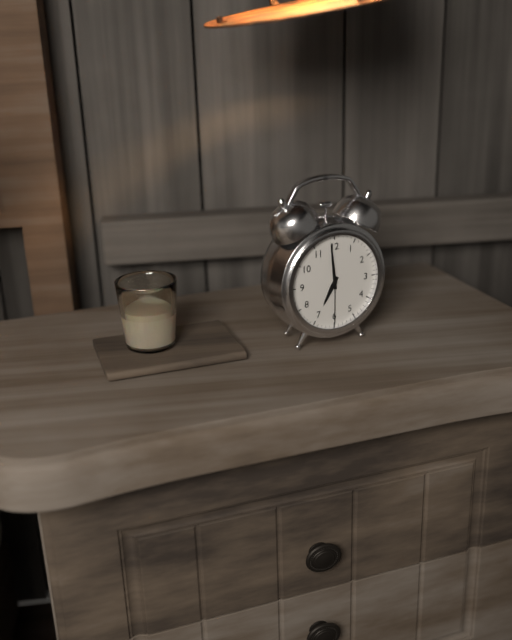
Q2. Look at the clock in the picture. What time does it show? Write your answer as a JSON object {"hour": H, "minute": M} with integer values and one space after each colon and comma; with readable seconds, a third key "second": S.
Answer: {"hour": 6, "minute": 59, "second": 30}
